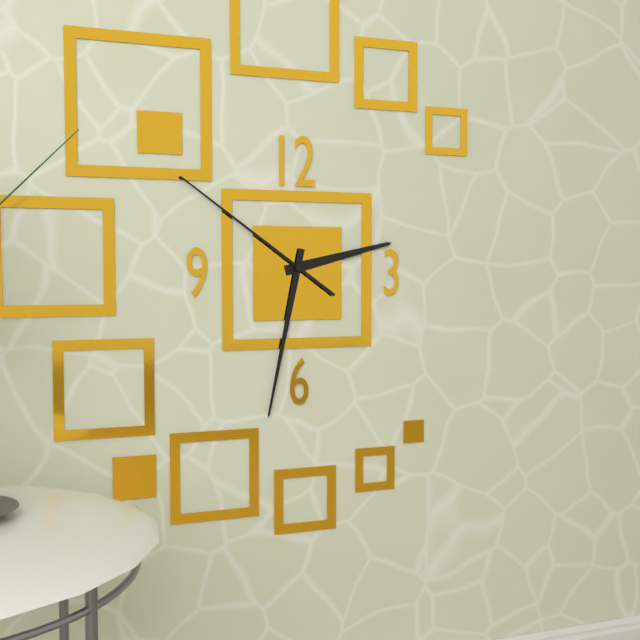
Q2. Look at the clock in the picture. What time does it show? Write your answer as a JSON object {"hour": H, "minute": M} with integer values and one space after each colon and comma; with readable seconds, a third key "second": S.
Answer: {"hour": 2, "minute": 32, "second": 51}
